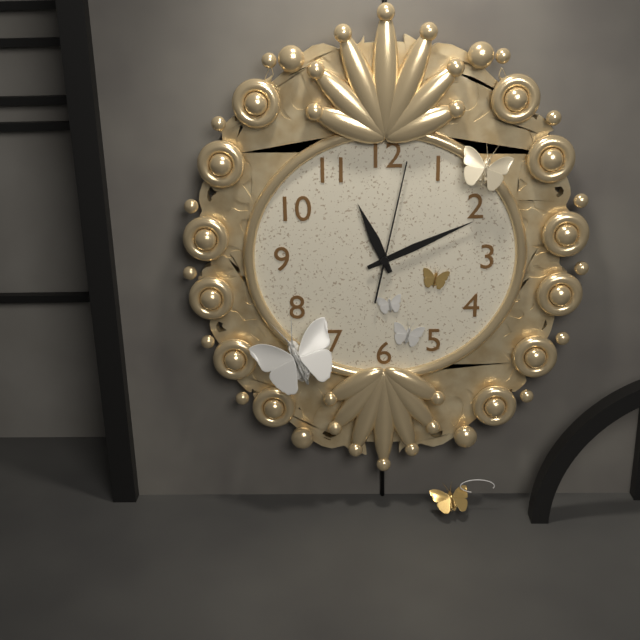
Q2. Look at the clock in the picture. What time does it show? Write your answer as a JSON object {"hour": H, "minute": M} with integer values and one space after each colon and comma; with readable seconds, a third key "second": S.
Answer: {"hour": 11, "minute": 11, "second": 2}
